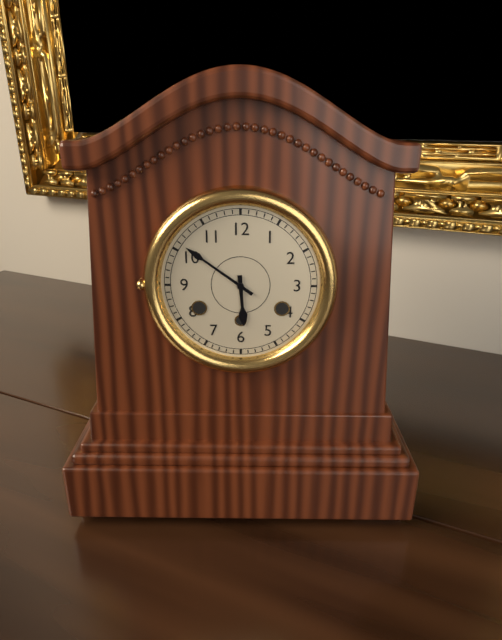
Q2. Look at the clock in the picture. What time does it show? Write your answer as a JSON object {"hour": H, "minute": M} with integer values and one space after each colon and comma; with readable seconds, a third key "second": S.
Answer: {"hour": 5, "minute": 51}
